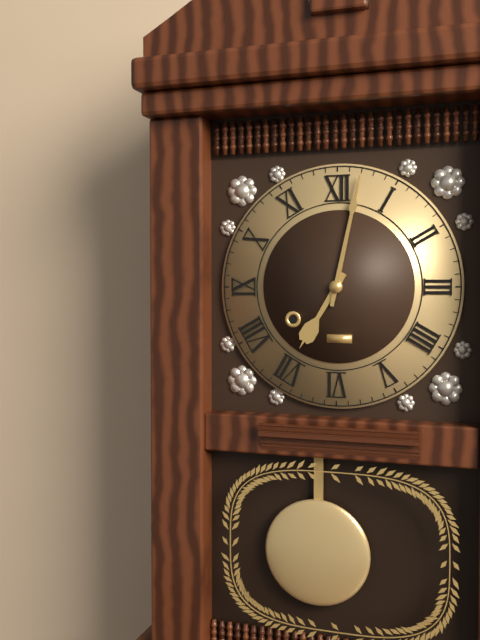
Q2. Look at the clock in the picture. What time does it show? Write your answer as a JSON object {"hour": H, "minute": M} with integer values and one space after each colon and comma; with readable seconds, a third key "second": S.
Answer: {"hour": 7, "minute": 2}
